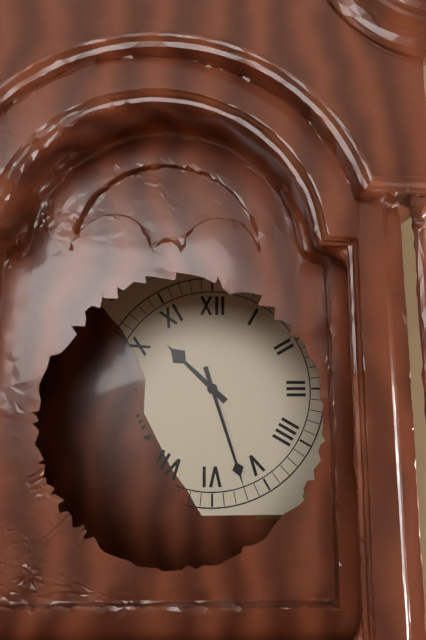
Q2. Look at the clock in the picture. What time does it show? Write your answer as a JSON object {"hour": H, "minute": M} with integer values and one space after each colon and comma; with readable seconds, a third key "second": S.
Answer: {"hour": 10, "minute": 27}
